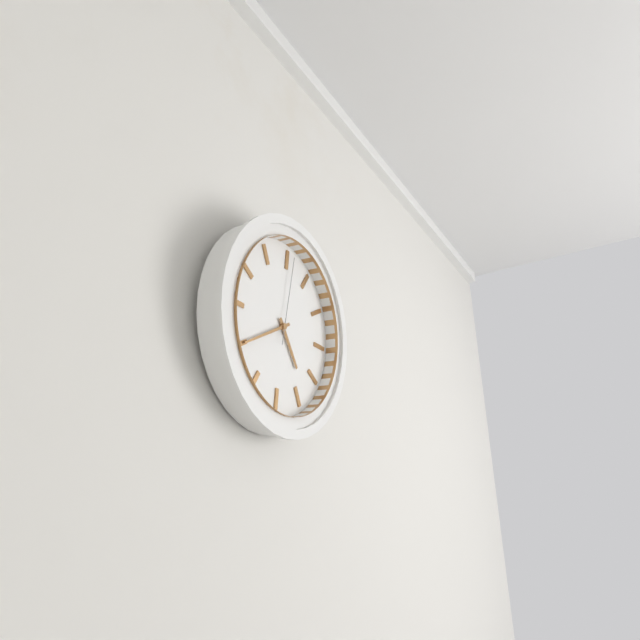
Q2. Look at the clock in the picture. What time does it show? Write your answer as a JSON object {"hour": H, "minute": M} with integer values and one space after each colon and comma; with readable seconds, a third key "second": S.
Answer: {"hour": 4, "minute": 40, "second": 1}
